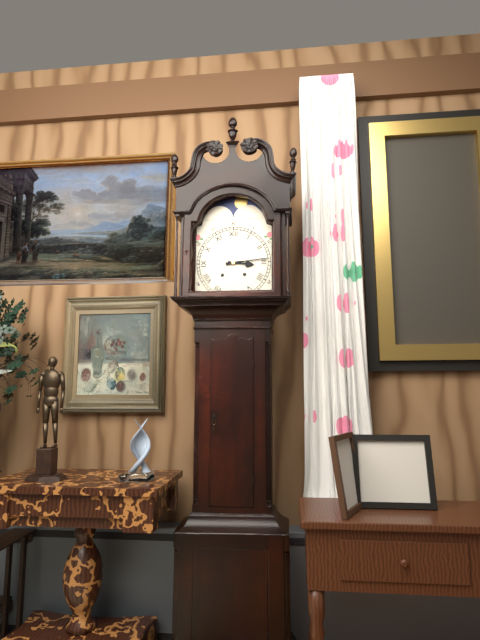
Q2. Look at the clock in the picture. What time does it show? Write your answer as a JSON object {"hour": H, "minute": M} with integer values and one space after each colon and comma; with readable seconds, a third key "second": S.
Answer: {"hour": 3, "minute": 14}
